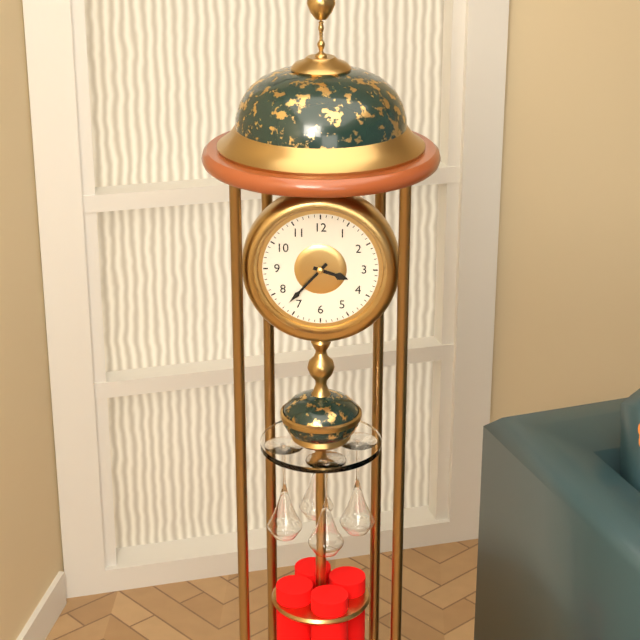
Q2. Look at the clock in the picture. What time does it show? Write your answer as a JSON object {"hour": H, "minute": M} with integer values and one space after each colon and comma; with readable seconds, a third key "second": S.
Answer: {"hour": 3, "minute": 37}
